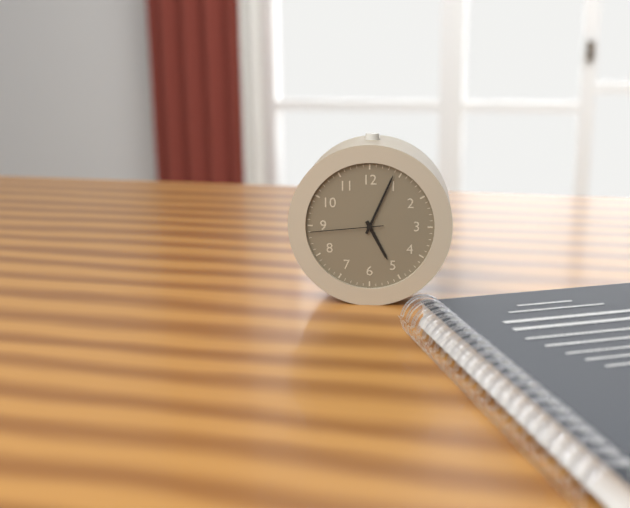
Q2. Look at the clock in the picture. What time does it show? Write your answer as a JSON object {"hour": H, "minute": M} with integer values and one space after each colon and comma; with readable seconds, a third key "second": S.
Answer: {"hour": 5, "minute": 4, "second": 44}
